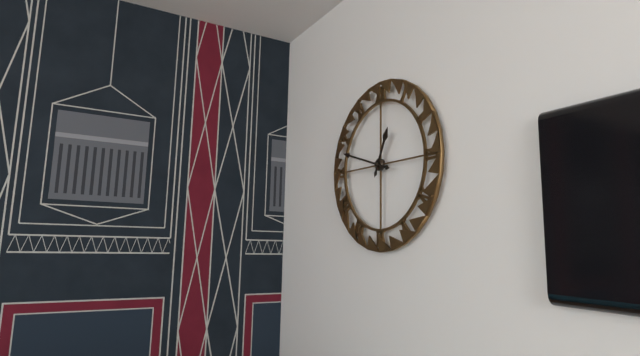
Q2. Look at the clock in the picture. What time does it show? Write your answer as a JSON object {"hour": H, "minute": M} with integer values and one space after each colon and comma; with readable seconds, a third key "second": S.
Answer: {"hour": 12, "minute": 48}
